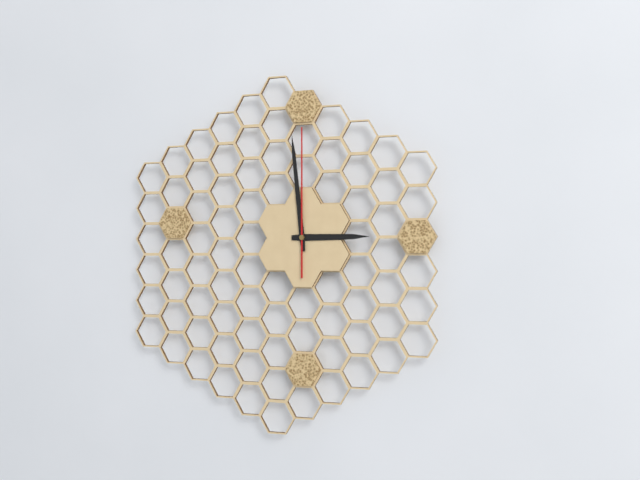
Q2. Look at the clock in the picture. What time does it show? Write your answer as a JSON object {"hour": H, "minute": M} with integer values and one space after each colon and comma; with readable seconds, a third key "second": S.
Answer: {"hour": 2, "minute": 59, "second": 0}
